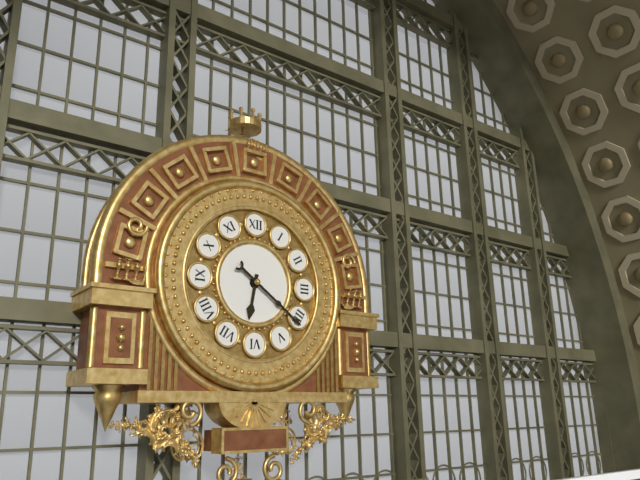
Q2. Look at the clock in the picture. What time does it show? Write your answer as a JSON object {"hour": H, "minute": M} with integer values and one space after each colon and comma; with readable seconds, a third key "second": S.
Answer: {"hour": 6, "minute": 21}
